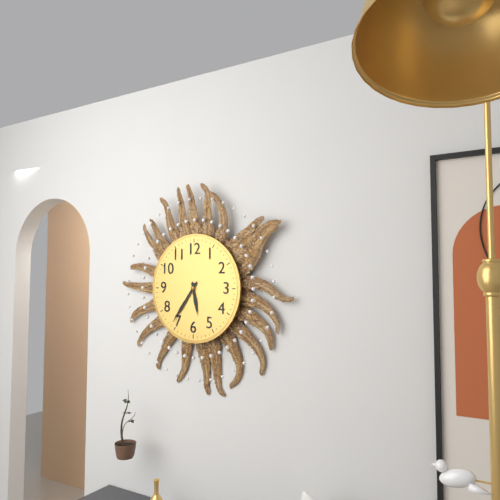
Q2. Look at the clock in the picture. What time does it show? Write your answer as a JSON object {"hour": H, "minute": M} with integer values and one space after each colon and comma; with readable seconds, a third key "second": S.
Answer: {"hour": 5, "minute": 36}
